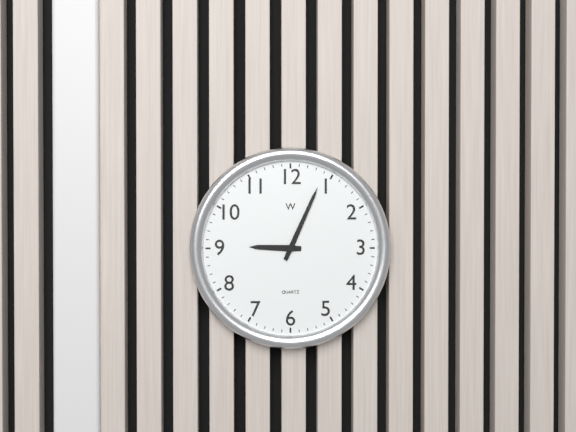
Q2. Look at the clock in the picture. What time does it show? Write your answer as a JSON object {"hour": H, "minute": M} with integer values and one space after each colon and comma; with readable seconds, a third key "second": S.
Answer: {"hour": 9, "minute": 4}
